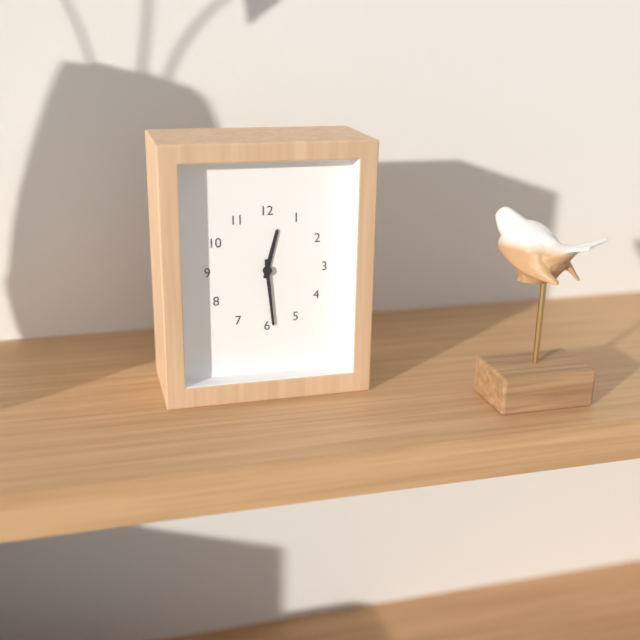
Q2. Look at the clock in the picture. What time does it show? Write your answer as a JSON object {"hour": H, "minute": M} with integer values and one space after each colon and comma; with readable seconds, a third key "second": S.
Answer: {"hour": 12, "minute": 29}
